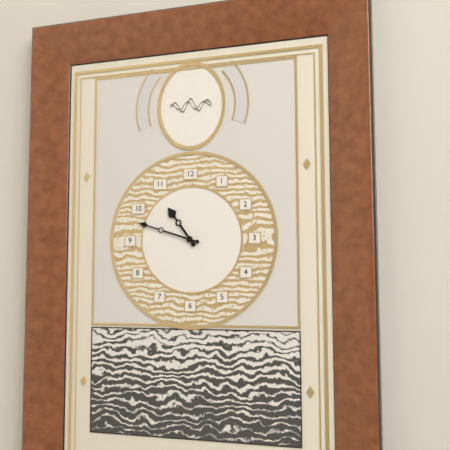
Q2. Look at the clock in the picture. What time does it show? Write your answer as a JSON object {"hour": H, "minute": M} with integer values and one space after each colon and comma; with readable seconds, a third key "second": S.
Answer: {"hour": 10, "minute": 48}
